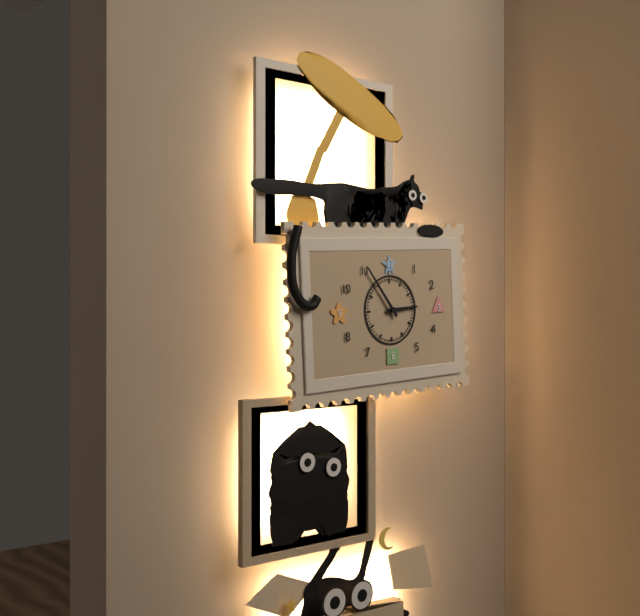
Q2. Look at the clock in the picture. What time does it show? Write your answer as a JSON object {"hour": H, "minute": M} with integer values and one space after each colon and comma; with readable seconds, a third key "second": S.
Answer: {"hour": 2, "minute": 54}
